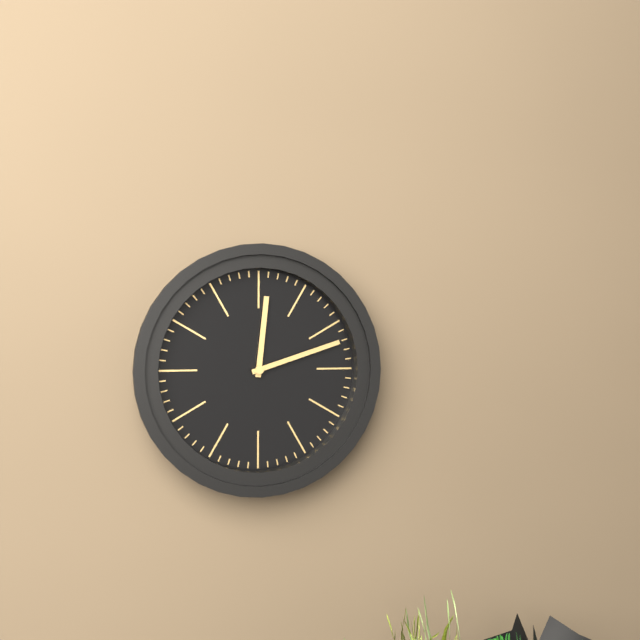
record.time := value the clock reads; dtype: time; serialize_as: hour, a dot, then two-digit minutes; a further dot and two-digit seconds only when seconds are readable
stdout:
12.12
